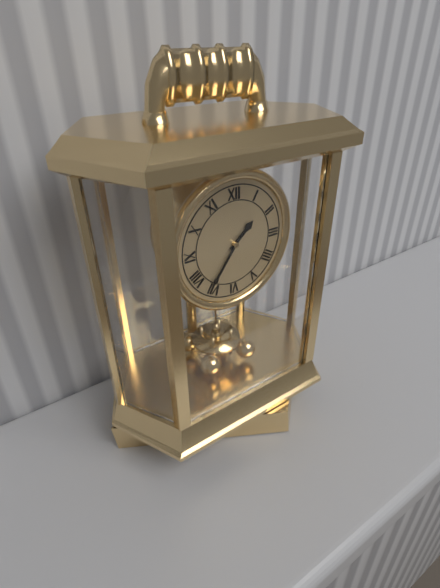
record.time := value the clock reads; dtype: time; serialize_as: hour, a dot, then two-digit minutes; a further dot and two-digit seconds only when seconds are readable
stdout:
1.36
